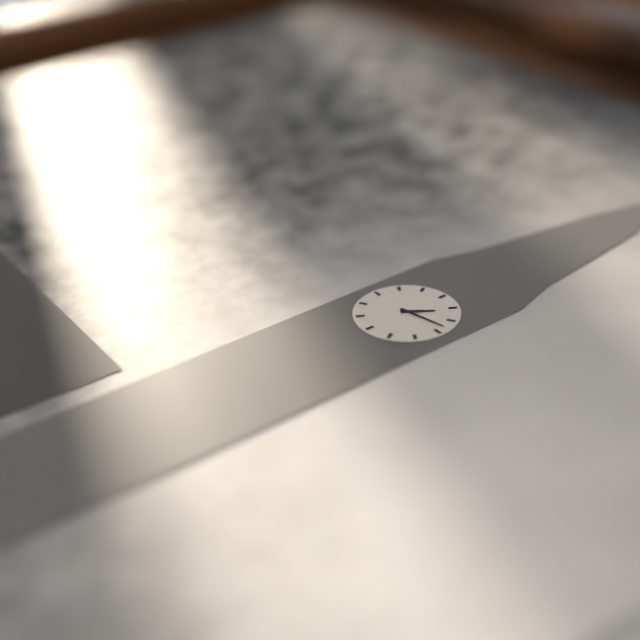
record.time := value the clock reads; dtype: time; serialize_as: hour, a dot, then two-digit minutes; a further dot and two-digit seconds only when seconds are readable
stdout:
1.13
